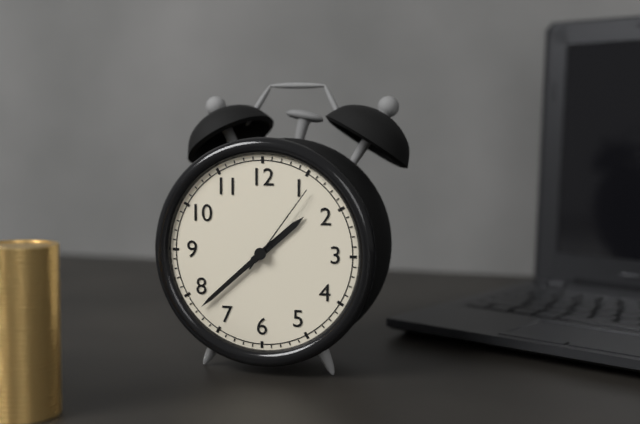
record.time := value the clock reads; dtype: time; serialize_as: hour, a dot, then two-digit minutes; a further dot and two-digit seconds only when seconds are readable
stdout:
1.38.06
